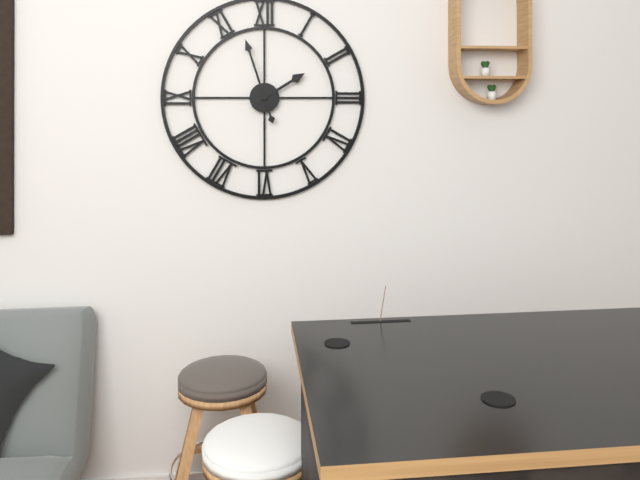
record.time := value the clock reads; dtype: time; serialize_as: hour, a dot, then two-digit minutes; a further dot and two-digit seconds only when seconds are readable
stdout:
1.57
